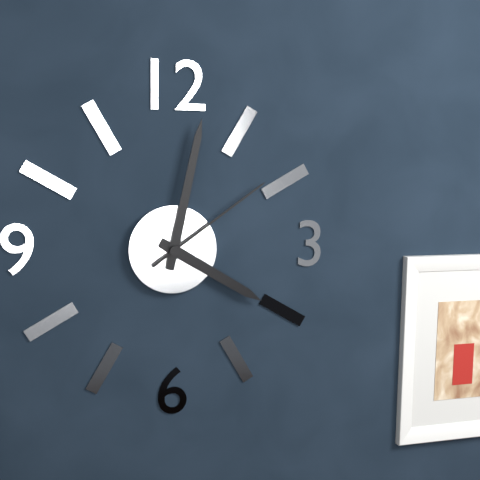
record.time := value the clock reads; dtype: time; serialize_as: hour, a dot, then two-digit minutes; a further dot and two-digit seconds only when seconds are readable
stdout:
4.02.09
